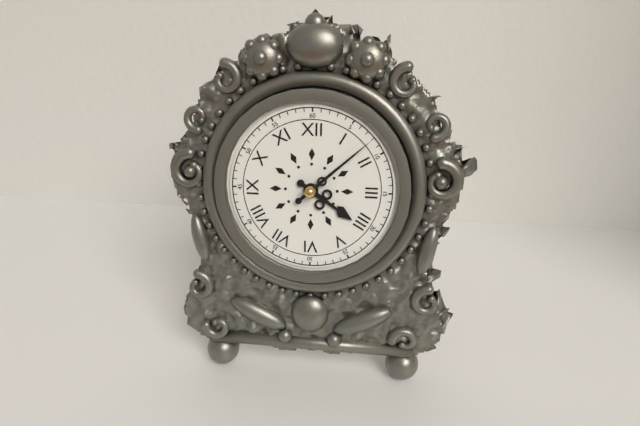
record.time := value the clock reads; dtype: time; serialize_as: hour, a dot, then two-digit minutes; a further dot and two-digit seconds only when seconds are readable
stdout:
4.08
